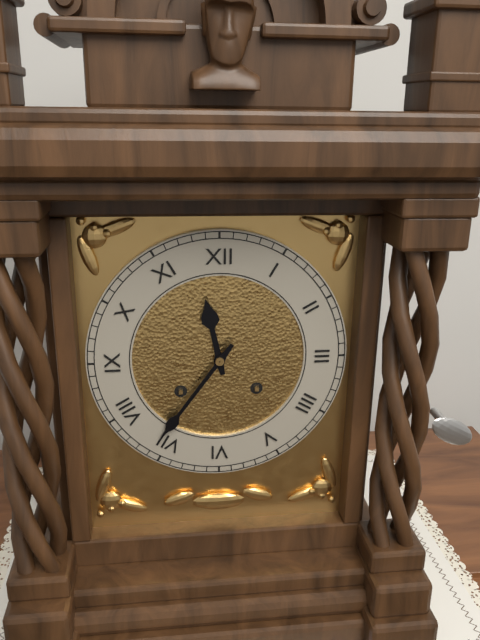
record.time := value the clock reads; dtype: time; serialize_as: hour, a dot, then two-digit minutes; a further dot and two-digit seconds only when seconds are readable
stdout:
11.36
